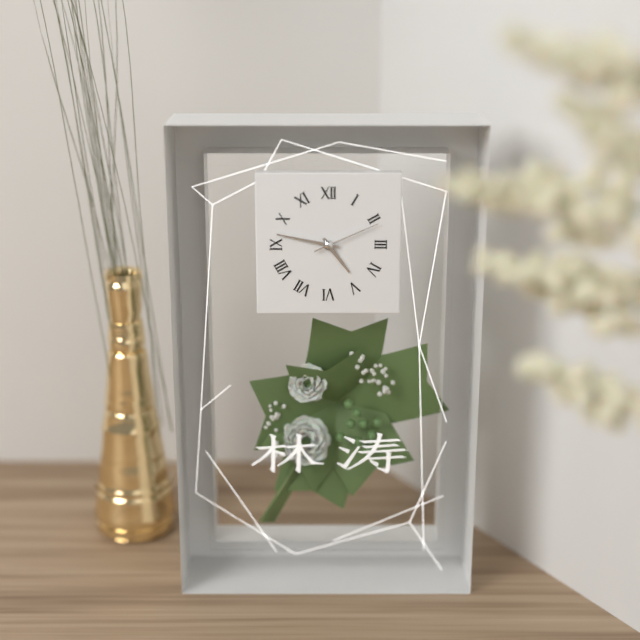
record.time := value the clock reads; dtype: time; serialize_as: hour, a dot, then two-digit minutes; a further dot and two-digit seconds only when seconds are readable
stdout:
4.47.11
